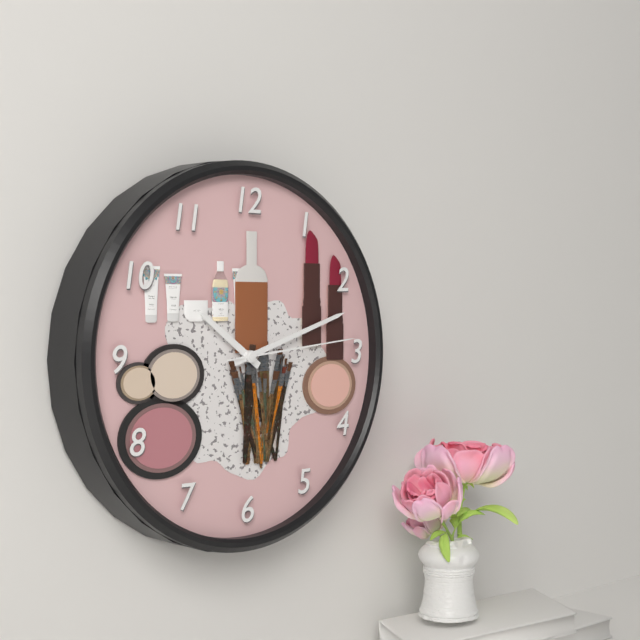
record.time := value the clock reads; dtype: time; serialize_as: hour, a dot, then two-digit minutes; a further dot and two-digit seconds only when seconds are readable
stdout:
10.12.14
